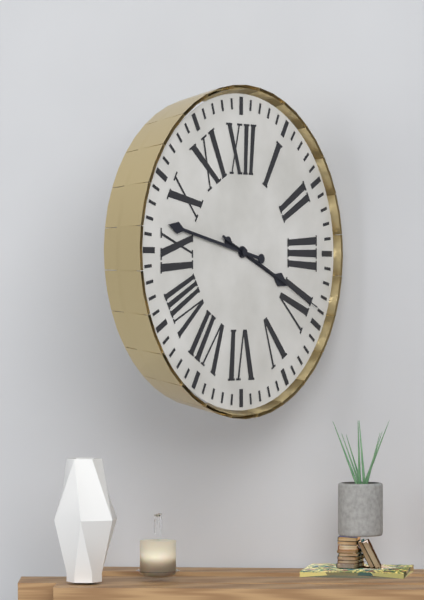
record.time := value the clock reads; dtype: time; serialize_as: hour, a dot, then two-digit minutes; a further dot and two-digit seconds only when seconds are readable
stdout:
3.47.19
